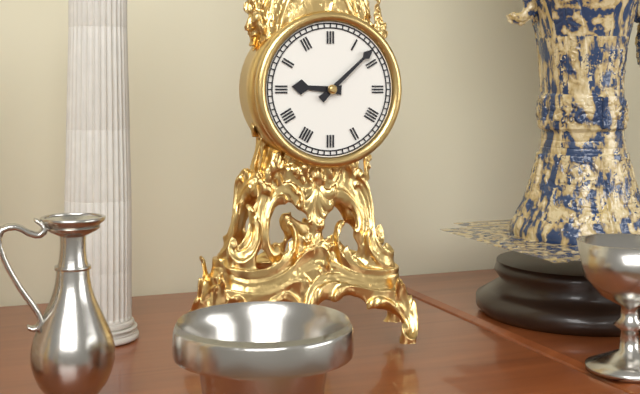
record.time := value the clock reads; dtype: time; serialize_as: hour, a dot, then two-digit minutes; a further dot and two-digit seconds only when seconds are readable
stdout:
9.08
